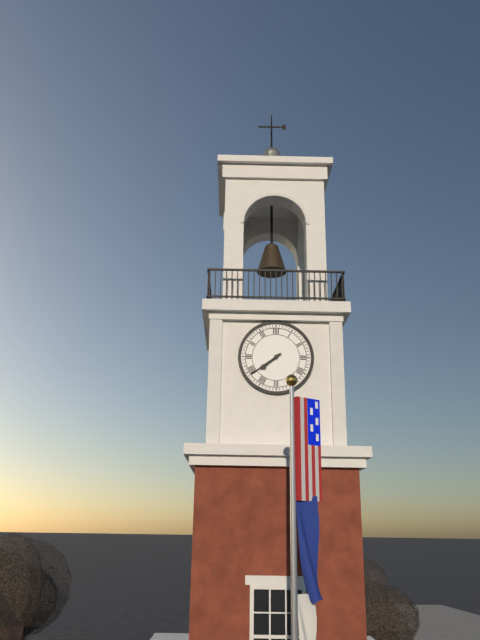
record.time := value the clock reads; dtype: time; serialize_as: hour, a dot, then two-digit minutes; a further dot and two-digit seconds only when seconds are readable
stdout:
7.39
